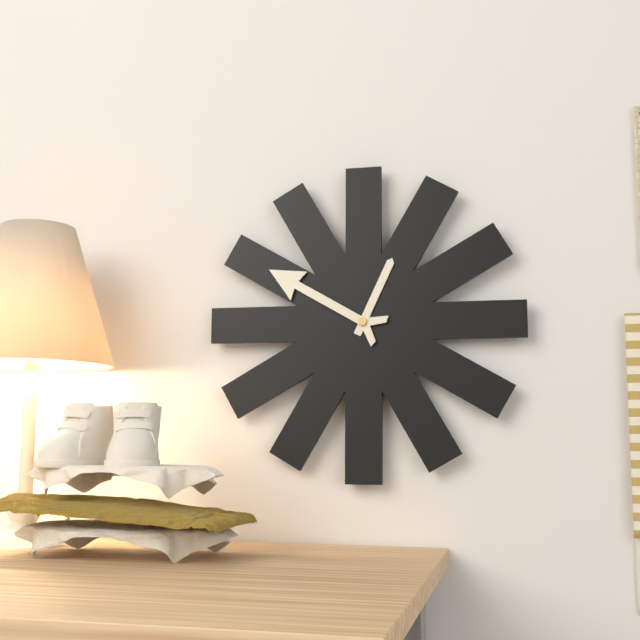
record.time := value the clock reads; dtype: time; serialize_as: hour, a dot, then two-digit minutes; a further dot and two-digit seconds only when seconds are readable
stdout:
12.50
